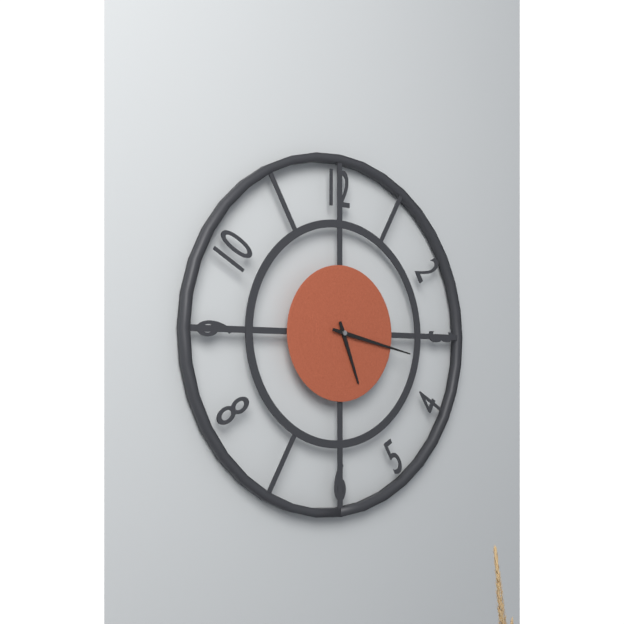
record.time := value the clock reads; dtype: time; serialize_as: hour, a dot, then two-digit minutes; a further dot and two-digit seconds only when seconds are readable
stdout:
5.17
